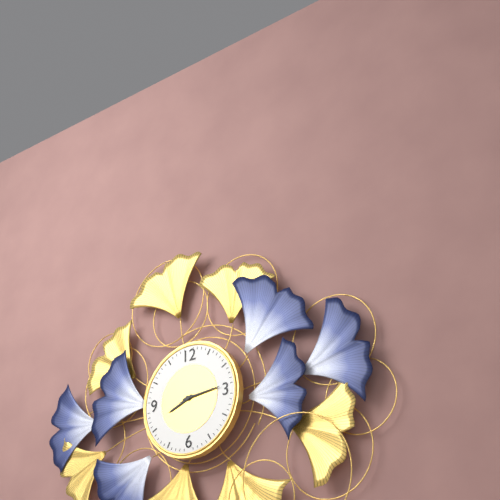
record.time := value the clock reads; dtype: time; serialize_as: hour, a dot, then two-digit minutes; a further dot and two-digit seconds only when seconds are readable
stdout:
8.14
